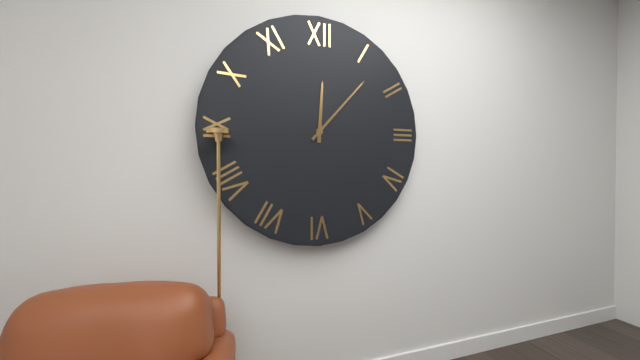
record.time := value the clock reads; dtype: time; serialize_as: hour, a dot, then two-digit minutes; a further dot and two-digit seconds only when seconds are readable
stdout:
12.07
